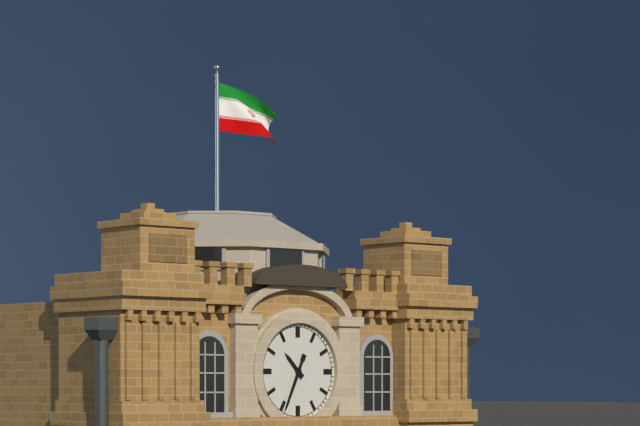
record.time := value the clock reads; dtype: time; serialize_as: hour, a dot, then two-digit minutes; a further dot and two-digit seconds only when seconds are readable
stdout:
10.34
